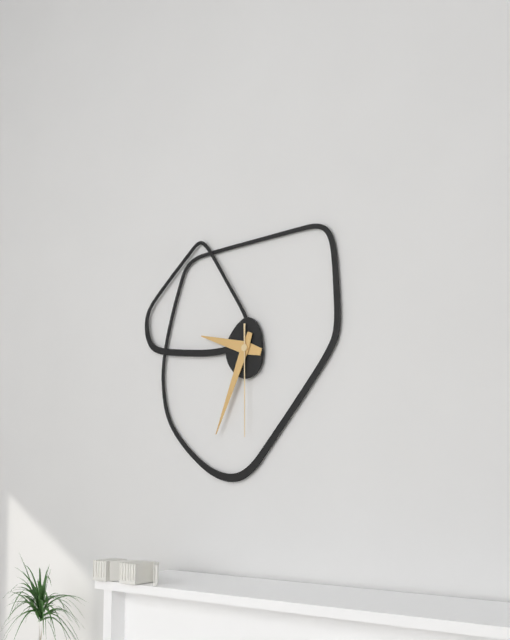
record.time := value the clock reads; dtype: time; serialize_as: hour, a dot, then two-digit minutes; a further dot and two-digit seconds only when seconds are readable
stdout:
9.34.30
